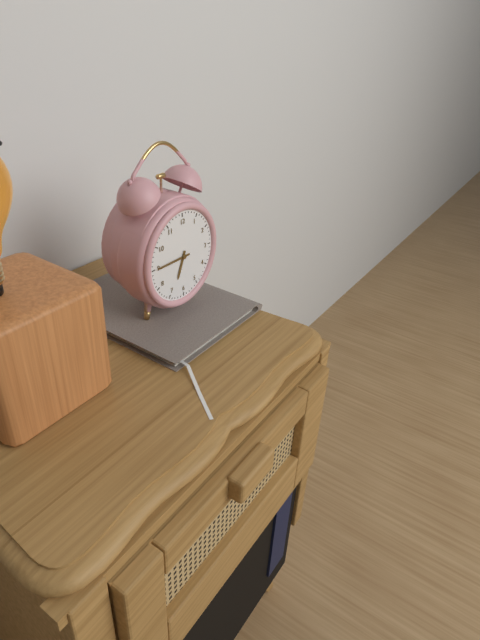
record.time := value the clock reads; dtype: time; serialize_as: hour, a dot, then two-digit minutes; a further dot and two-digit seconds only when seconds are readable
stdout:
6.45
